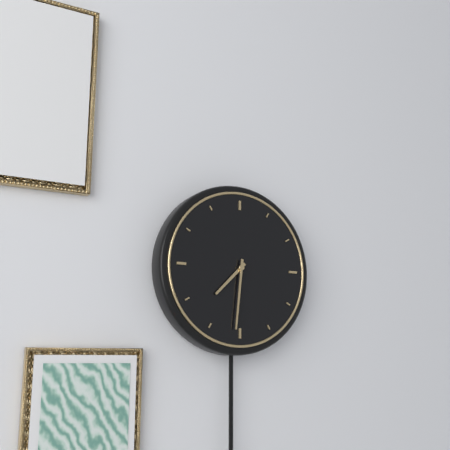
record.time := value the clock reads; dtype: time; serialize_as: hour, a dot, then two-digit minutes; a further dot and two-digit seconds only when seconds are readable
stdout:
7.31
